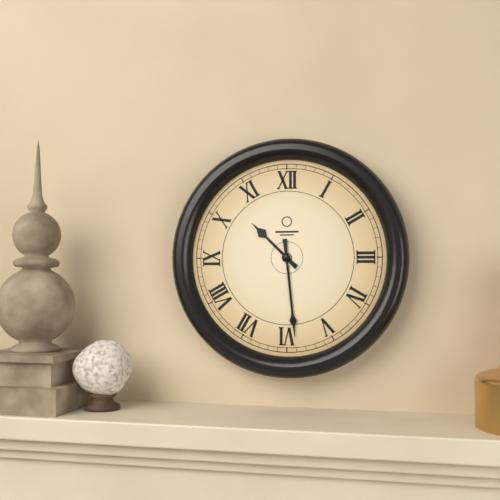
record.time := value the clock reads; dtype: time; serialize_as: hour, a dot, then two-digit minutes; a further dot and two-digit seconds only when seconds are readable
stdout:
10.29
